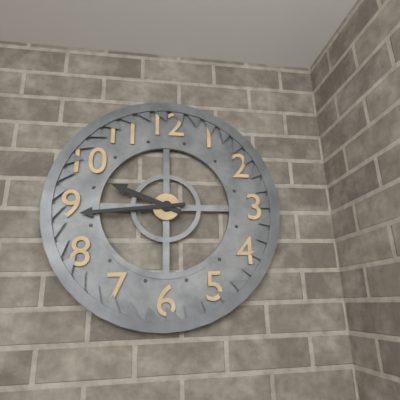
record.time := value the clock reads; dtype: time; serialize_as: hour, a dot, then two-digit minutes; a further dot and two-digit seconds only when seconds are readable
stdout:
9.44
